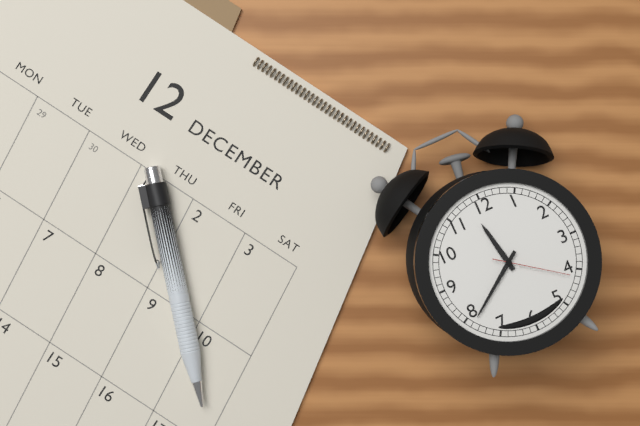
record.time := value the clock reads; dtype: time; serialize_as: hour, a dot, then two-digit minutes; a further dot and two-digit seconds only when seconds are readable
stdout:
11.39.21
